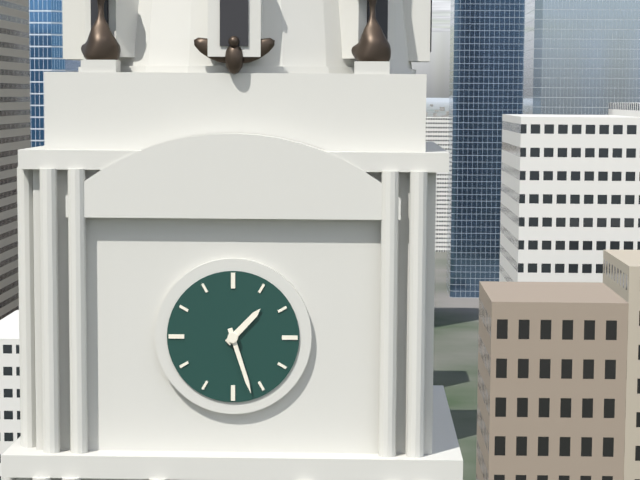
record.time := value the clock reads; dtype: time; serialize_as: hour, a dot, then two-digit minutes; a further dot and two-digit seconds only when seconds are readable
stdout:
1.27
